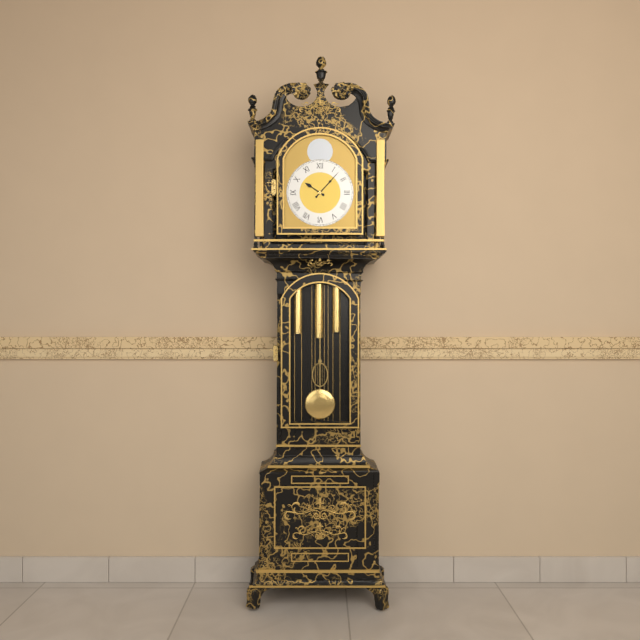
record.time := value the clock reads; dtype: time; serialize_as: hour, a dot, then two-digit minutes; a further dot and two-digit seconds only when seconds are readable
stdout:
10.07
